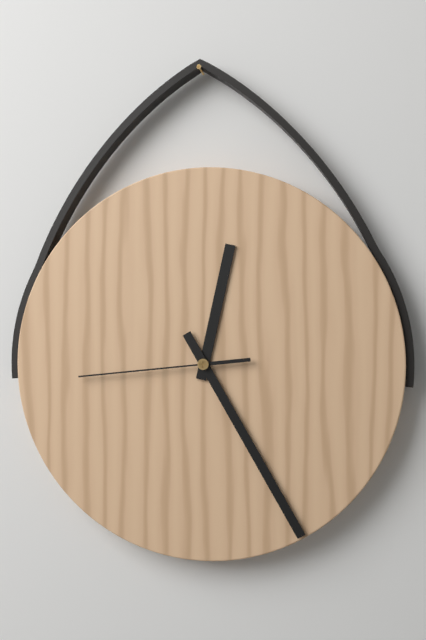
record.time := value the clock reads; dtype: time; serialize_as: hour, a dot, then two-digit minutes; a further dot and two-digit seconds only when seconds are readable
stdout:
12.25.44
